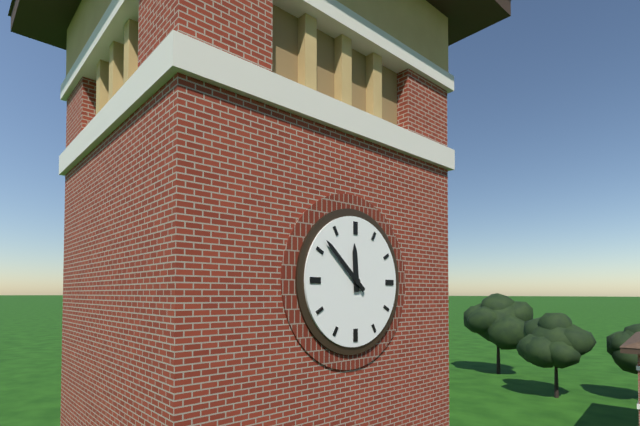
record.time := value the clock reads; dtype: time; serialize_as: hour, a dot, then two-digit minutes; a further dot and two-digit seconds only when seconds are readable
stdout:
11.52
